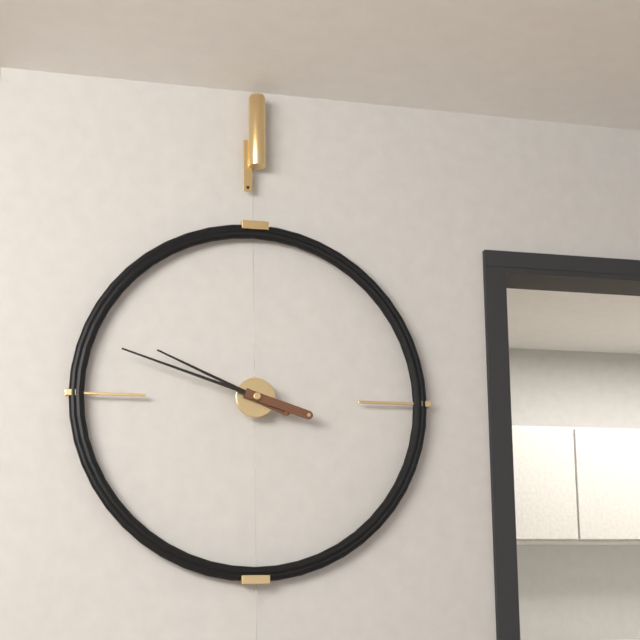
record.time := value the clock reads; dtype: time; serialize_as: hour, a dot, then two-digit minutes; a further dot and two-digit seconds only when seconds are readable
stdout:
9.48
